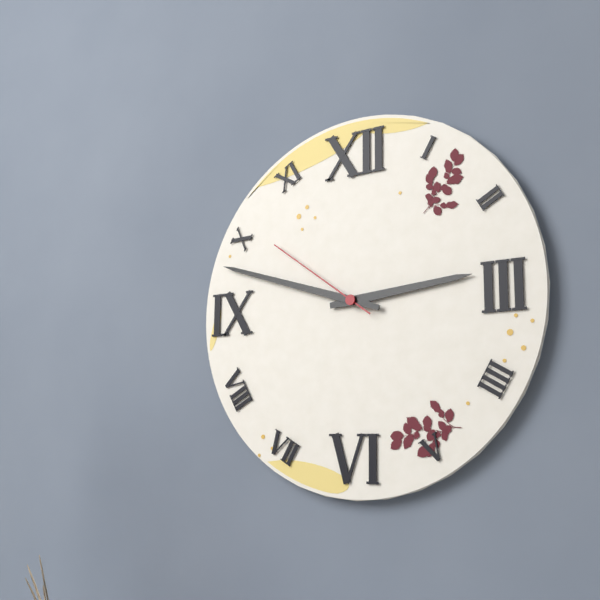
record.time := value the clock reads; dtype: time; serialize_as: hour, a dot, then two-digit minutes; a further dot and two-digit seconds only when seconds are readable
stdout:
2.48.51
